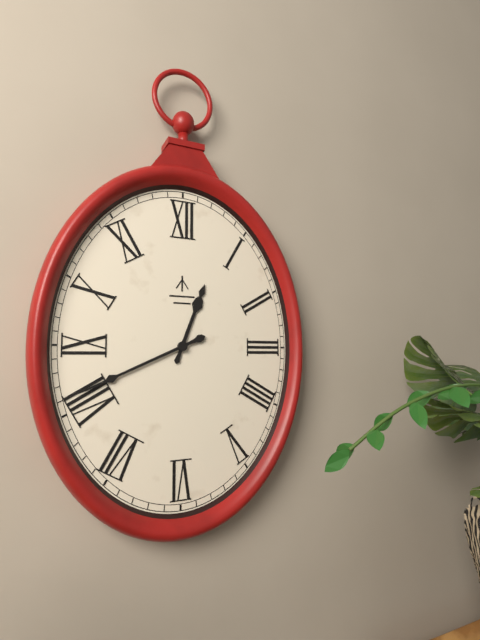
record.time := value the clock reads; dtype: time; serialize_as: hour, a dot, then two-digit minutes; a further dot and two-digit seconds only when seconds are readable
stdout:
12.41
